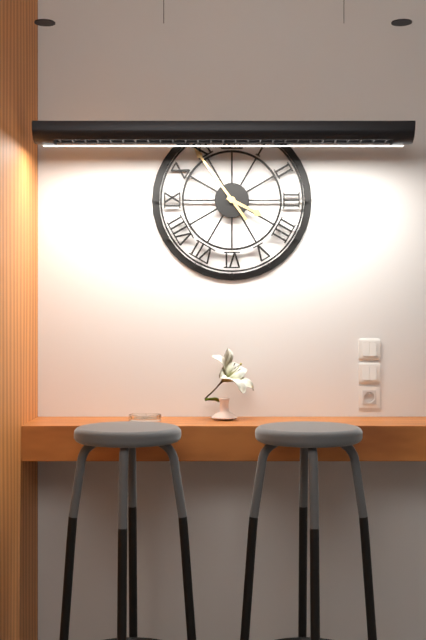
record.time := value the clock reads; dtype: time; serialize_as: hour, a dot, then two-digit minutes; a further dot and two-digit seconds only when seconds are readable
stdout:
3.54
